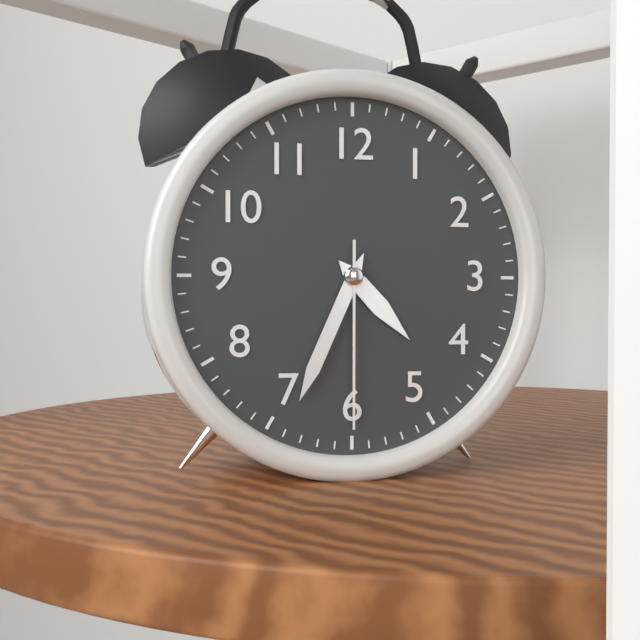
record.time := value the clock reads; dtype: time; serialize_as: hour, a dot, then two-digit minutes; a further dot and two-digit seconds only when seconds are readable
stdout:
4.34.30
